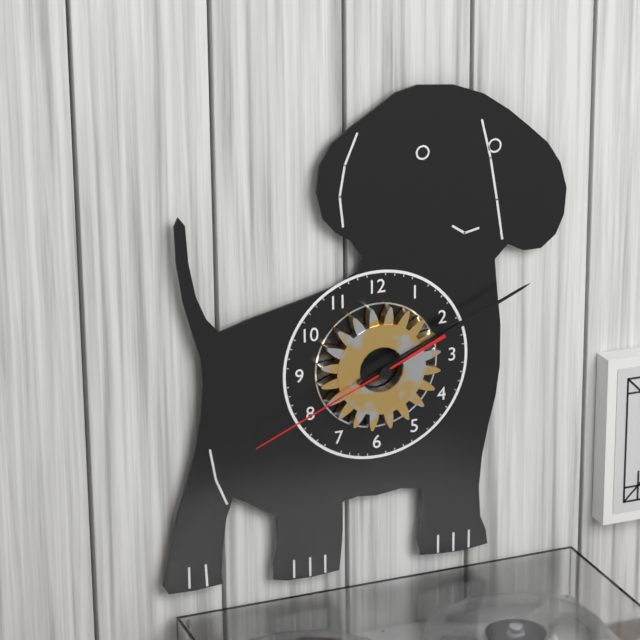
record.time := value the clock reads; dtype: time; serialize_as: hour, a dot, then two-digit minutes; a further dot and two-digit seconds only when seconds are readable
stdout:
2.11.41
